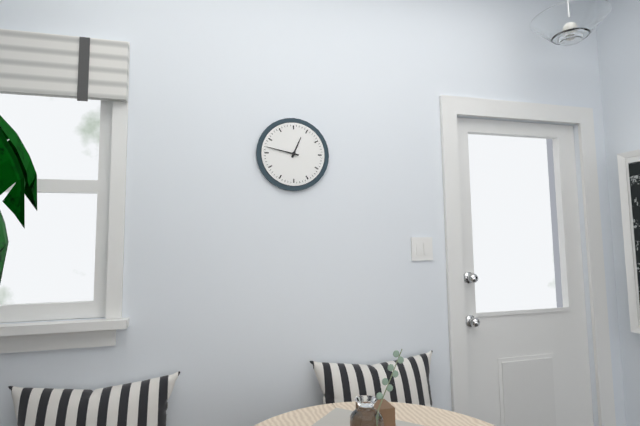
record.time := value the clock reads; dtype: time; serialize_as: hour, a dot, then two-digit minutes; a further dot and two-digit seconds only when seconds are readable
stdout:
12.47
